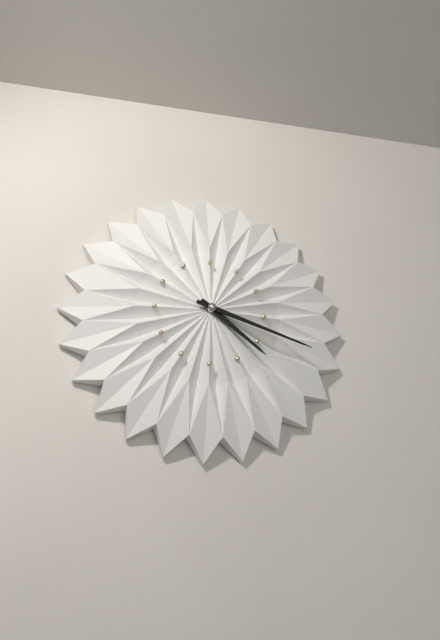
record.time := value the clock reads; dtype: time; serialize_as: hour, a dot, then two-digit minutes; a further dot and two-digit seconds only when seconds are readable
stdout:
4.18
